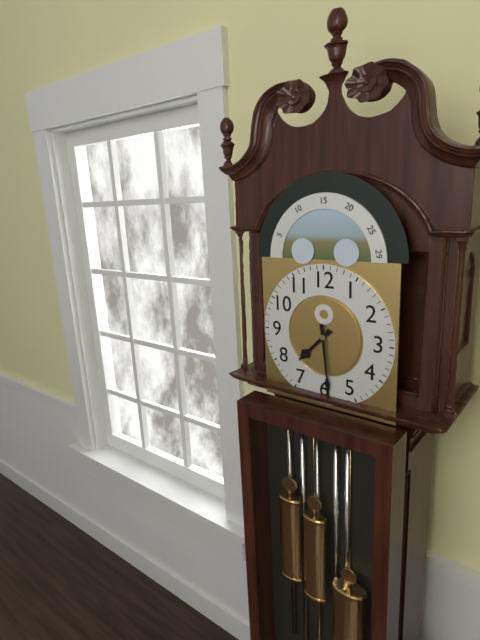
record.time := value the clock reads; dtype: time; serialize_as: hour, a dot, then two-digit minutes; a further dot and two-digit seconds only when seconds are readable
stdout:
7.29
